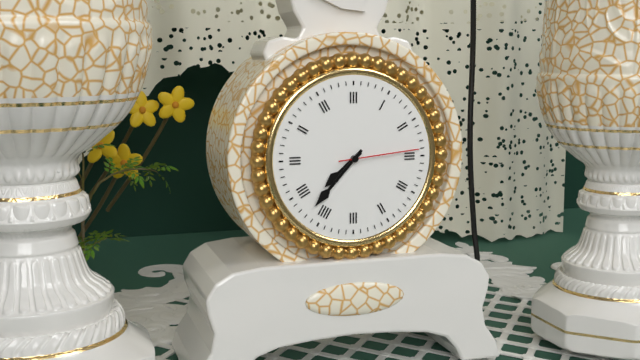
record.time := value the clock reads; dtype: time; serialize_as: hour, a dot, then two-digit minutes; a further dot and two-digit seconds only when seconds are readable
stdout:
7.37.14
